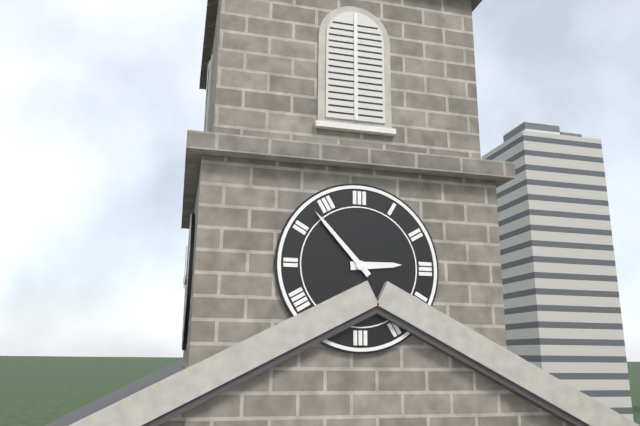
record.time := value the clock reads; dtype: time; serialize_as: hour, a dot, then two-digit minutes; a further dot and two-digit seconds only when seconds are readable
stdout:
2.53
